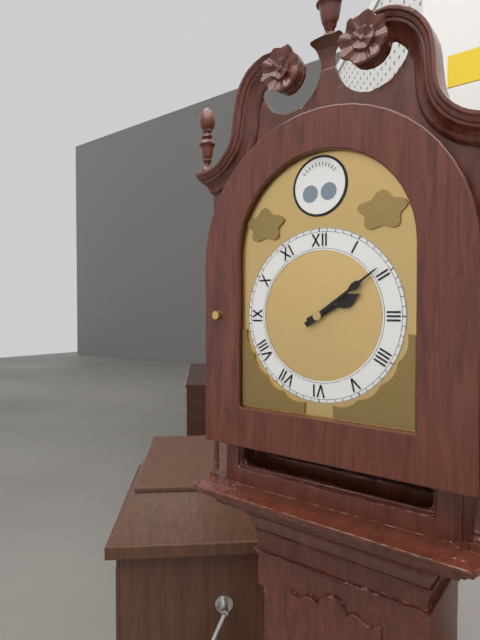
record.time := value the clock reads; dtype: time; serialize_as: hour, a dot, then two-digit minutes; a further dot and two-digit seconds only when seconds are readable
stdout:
2.09
